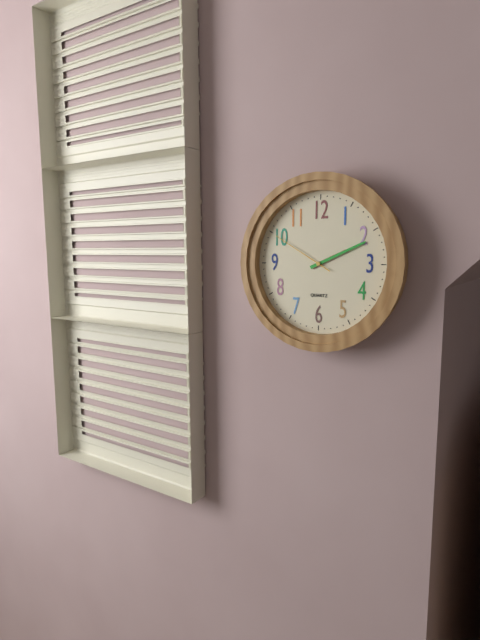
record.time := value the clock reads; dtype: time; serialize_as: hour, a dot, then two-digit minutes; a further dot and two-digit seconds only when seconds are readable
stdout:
2.11.50
